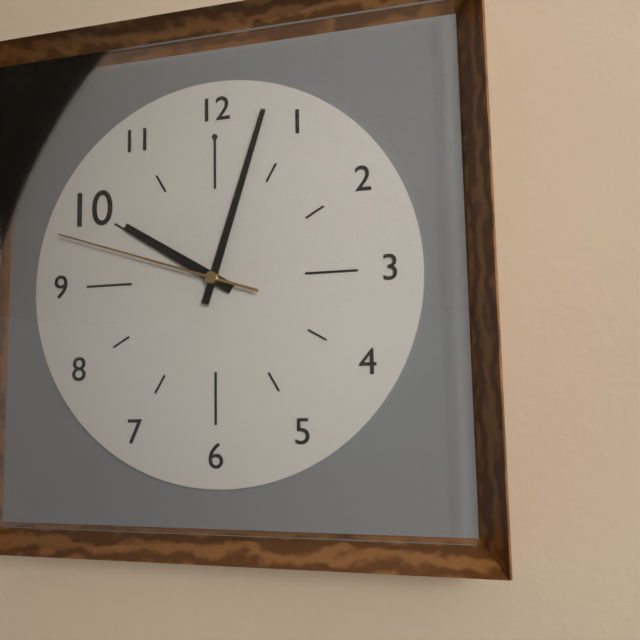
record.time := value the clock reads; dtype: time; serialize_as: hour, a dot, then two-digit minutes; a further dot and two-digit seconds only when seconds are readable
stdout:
10.03.48
